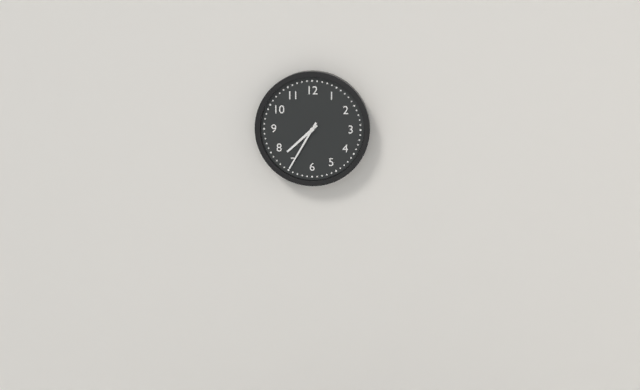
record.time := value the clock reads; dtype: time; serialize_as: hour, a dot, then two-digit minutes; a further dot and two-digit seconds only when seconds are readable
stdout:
7.35
